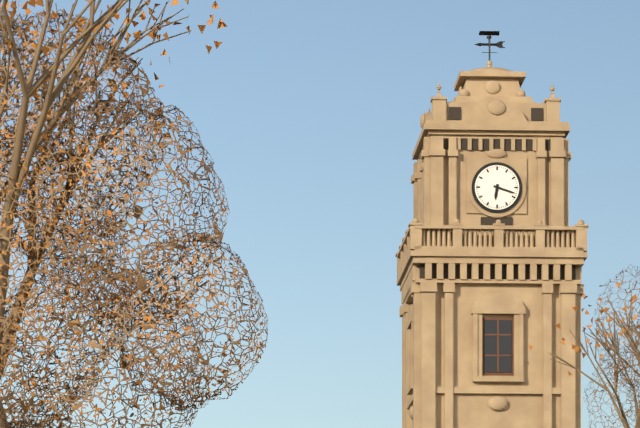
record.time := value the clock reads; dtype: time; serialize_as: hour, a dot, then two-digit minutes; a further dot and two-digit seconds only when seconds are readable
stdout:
6.18
